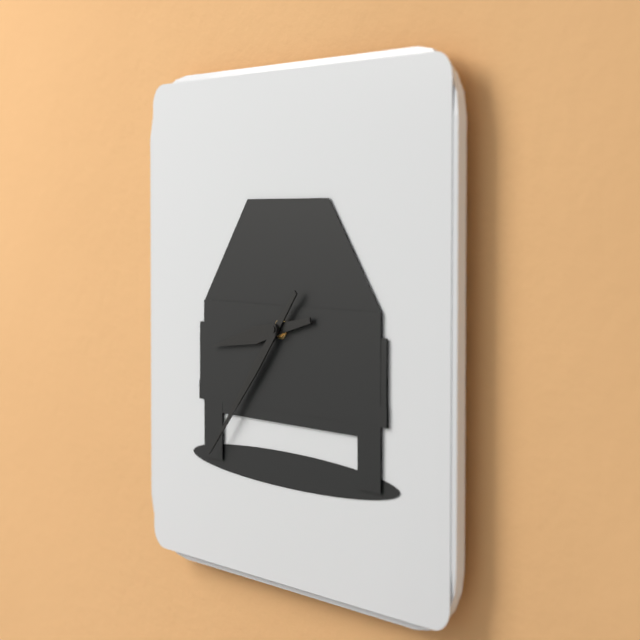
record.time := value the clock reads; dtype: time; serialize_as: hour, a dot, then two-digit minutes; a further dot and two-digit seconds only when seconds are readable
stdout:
8.37
